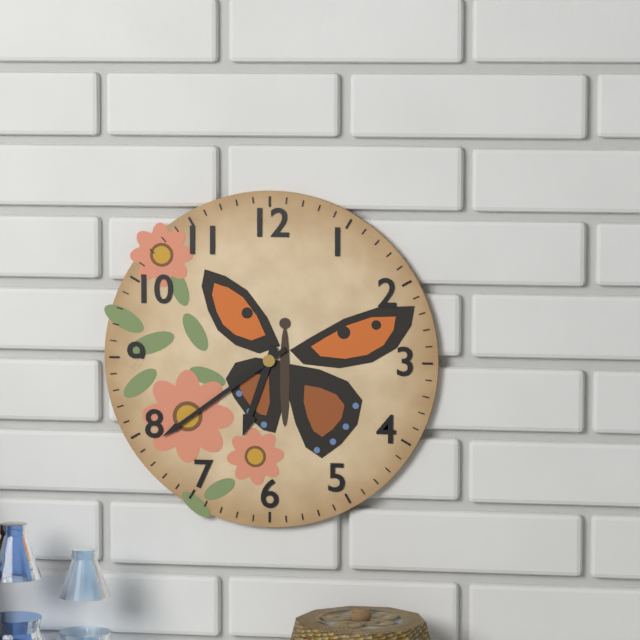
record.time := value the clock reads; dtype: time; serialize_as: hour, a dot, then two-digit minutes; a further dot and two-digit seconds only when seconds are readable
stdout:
6.39
